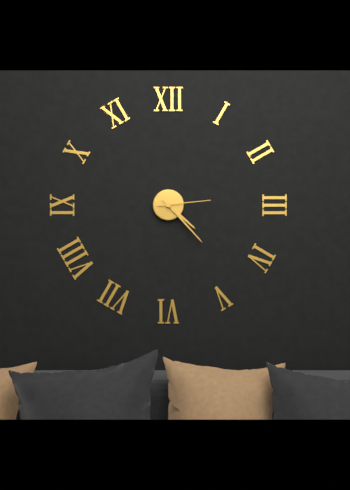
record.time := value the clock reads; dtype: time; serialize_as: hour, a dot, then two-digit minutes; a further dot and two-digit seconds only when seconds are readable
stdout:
4.23.14
